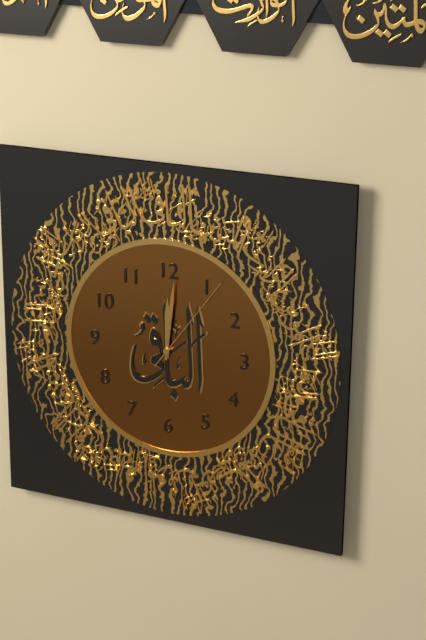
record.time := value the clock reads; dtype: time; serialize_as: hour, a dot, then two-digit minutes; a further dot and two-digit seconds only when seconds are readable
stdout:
12.01.06
